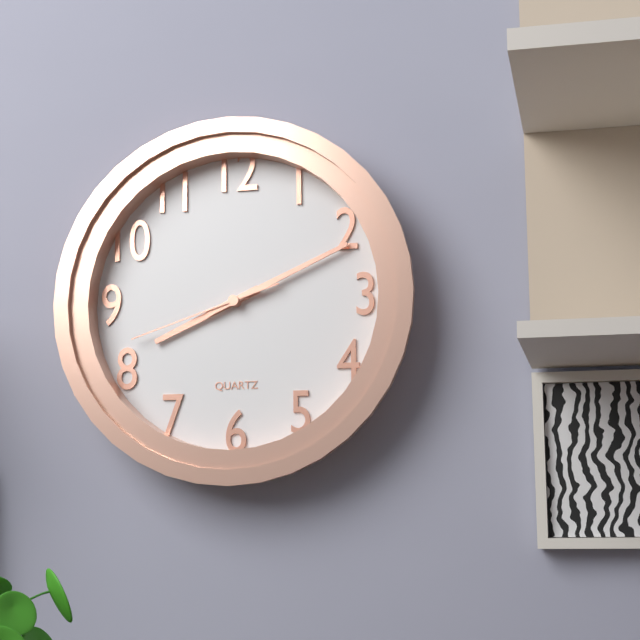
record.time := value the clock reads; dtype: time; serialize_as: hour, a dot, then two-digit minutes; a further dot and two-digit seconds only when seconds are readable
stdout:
8.11.42
